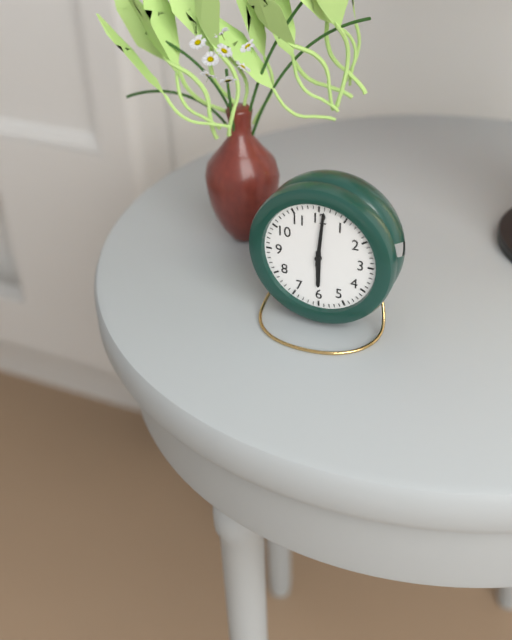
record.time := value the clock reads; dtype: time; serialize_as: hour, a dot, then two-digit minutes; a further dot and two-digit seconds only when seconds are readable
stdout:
6.01
